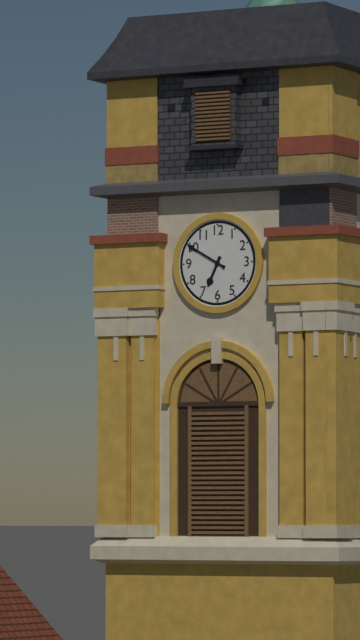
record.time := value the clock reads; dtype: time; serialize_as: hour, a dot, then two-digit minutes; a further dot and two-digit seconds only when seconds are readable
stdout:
6.50
